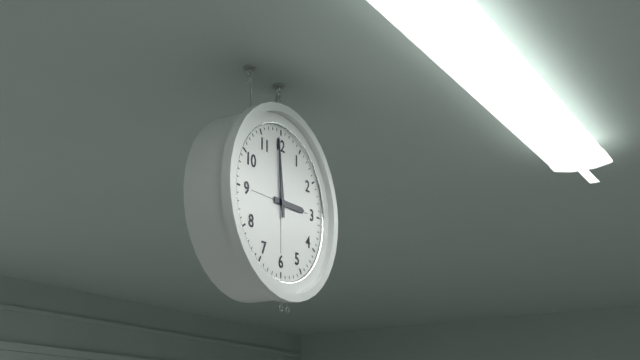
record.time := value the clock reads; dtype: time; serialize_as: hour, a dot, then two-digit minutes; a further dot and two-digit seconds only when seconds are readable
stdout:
2.59
